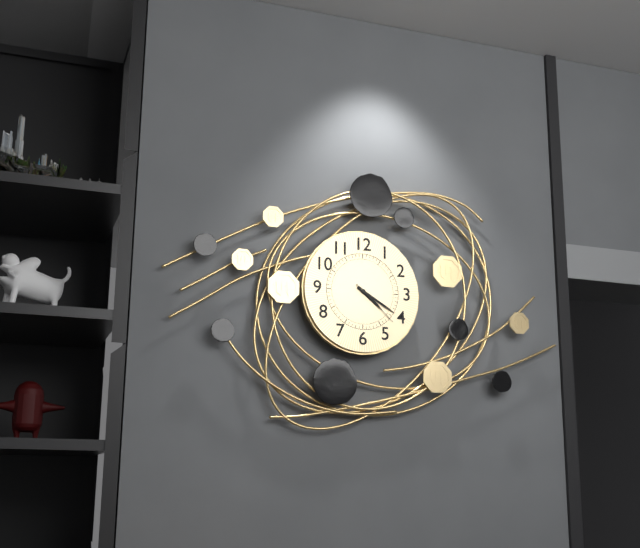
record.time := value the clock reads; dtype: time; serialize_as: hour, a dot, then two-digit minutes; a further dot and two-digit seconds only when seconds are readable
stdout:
4.20.22
